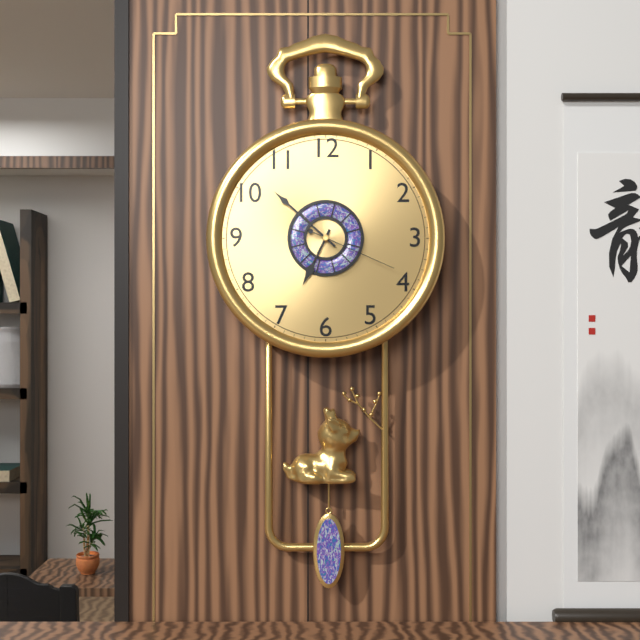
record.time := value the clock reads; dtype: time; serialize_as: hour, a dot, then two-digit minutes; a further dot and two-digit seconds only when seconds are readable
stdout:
6.52.19
